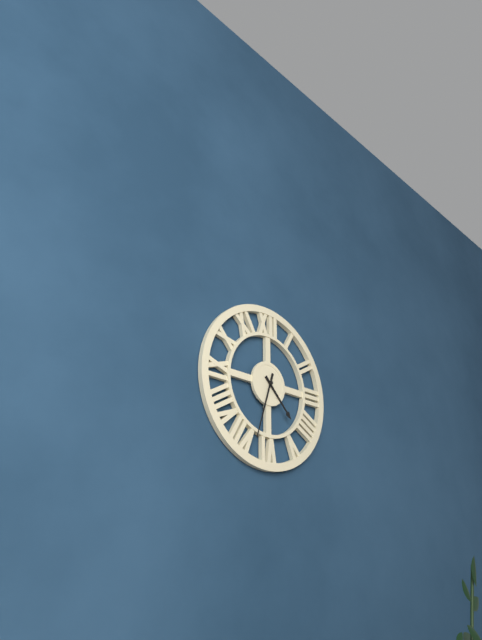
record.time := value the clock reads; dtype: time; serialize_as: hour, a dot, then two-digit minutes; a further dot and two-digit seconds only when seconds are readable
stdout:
4.33
